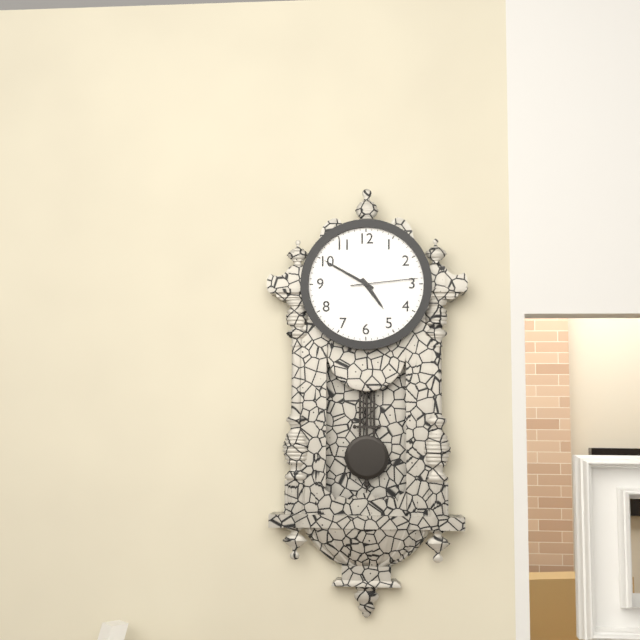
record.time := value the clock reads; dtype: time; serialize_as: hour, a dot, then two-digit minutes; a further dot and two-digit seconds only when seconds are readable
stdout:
4.50.14
